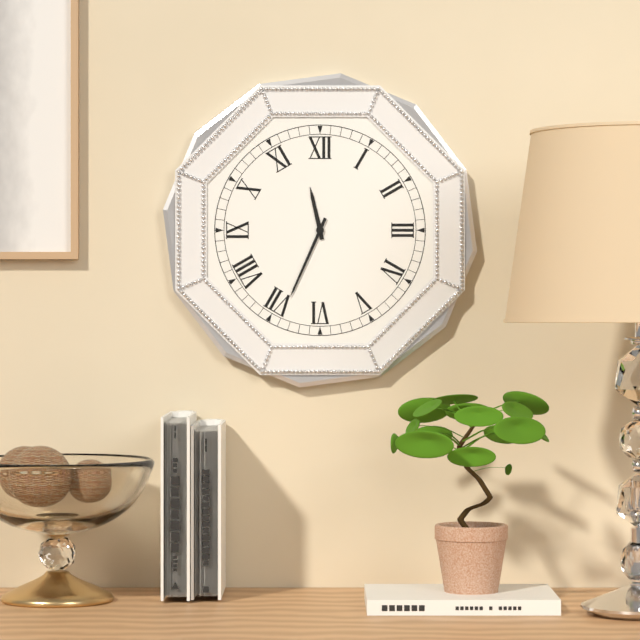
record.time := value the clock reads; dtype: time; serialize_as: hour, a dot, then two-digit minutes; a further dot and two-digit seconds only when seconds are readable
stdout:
11.34
